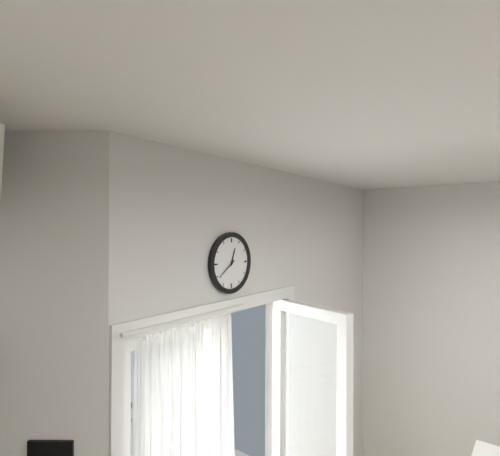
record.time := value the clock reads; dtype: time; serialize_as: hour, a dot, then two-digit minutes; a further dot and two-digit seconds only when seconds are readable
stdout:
12.39
